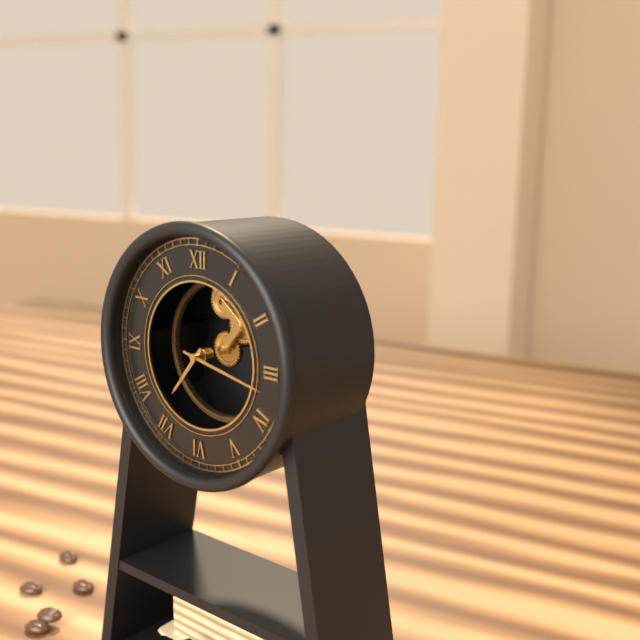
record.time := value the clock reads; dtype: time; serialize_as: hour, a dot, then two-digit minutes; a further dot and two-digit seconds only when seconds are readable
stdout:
7.17
